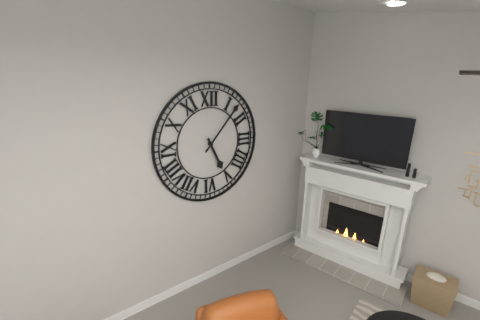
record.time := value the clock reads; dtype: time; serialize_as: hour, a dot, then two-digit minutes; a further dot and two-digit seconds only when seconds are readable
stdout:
5.07
